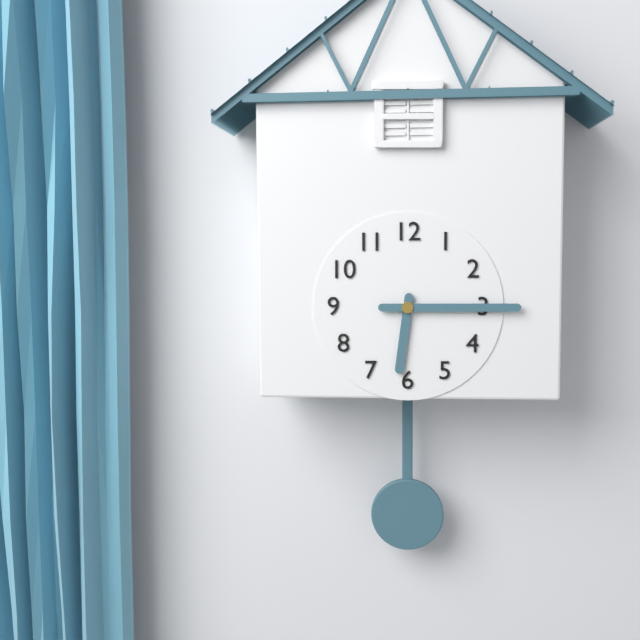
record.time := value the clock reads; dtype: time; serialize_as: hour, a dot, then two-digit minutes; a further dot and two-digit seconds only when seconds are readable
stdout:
6.15
